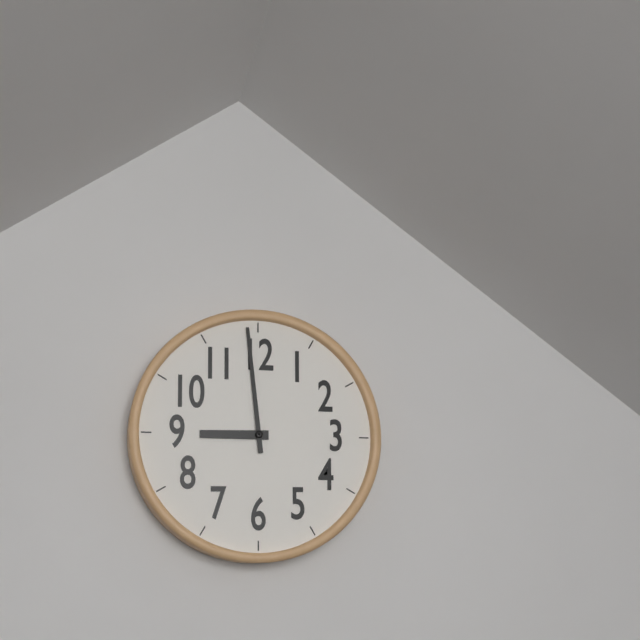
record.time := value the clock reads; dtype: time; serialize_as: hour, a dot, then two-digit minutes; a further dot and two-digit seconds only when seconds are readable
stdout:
8.59
